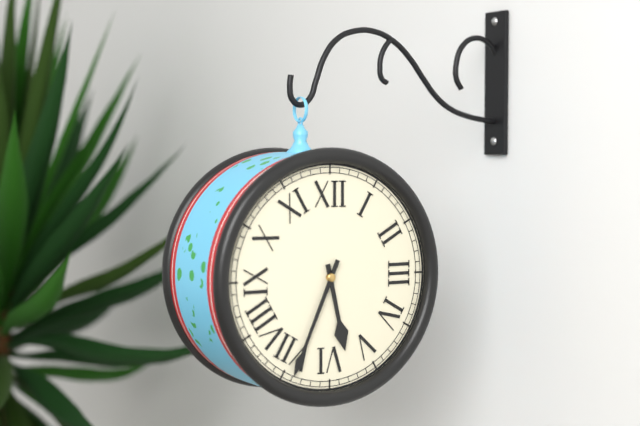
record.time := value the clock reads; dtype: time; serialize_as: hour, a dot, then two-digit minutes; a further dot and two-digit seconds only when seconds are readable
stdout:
5.34
